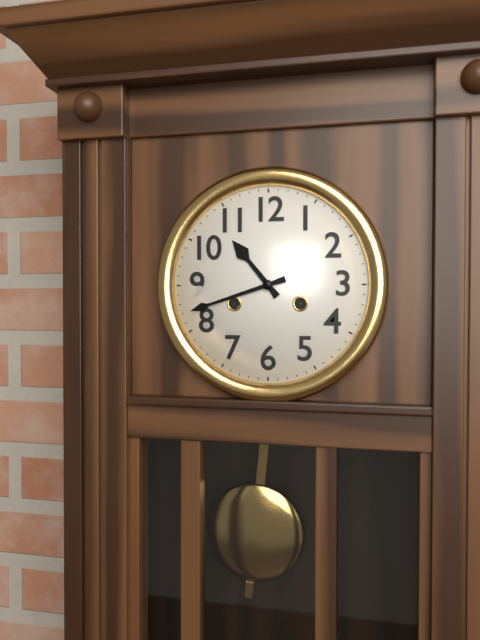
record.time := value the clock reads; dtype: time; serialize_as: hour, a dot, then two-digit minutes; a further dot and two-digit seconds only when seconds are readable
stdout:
10.42
